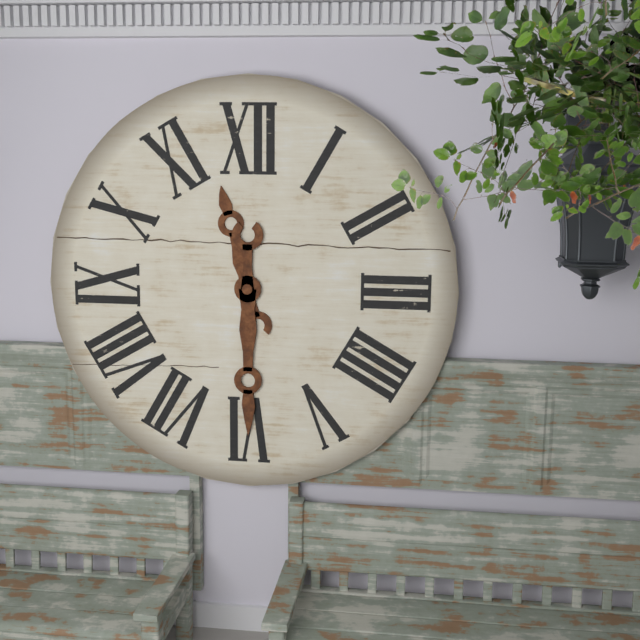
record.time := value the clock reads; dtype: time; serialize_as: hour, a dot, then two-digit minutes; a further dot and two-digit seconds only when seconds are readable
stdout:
11.30
